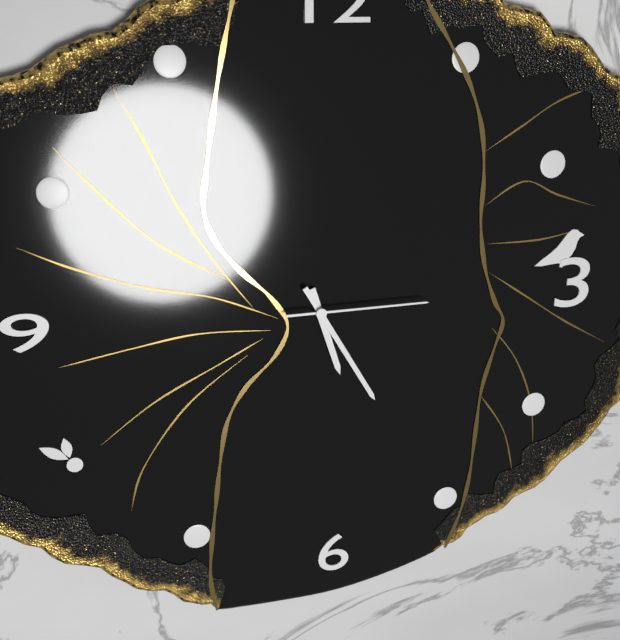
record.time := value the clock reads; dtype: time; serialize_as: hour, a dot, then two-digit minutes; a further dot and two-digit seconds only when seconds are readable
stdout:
5.25.15
